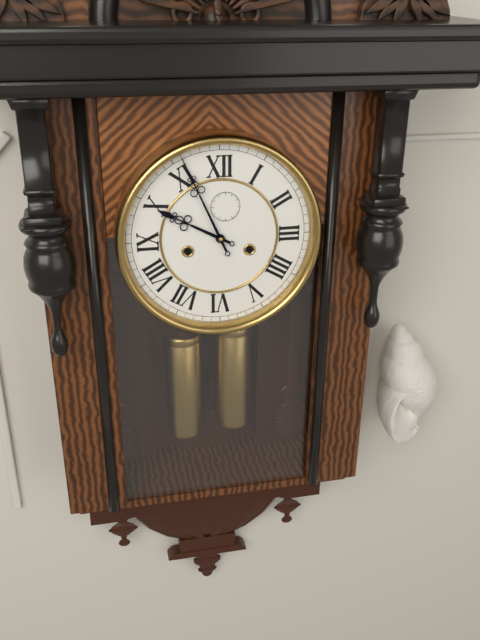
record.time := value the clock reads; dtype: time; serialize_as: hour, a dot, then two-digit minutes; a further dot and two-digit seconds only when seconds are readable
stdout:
9.56
